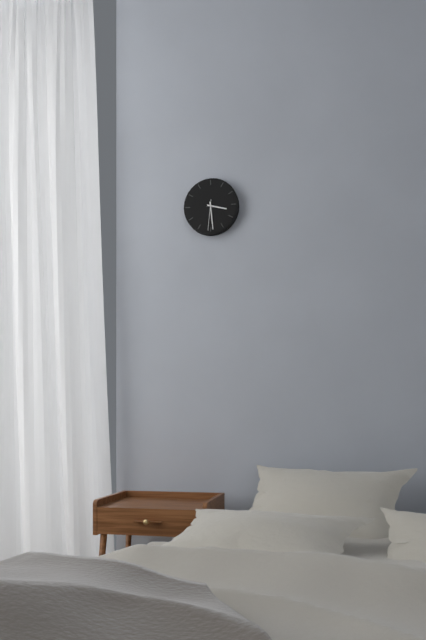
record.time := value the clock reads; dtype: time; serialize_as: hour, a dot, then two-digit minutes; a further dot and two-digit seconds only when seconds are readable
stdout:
3.29
